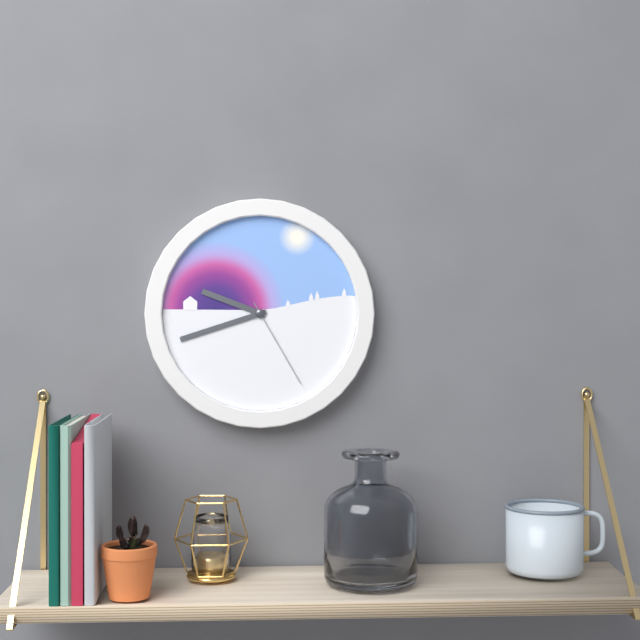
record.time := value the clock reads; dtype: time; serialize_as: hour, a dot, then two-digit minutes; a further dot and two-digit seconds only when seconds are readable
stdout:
9.42.25
